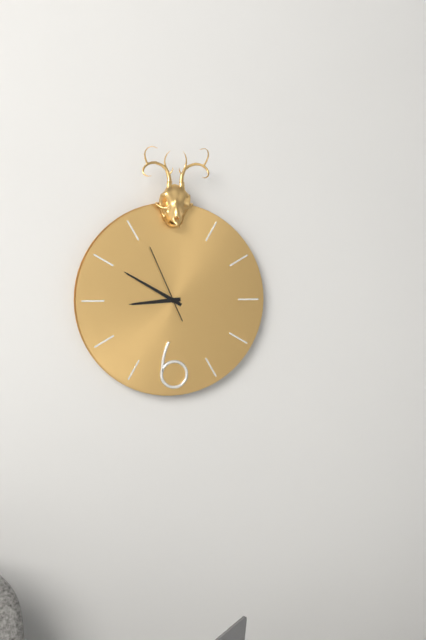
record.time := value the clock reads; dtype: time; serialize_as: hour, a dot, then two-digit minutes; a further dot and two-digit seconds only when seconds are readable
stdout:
8.50.56
